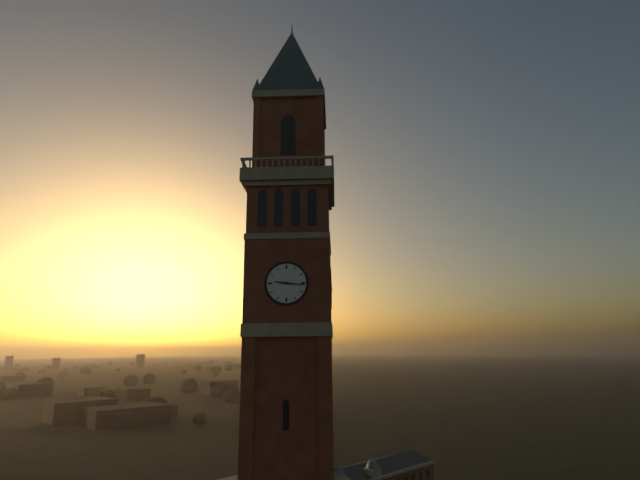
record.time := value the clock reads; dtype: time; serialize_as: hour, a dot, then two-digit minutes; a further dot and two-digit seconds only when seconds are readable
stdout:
9.16
